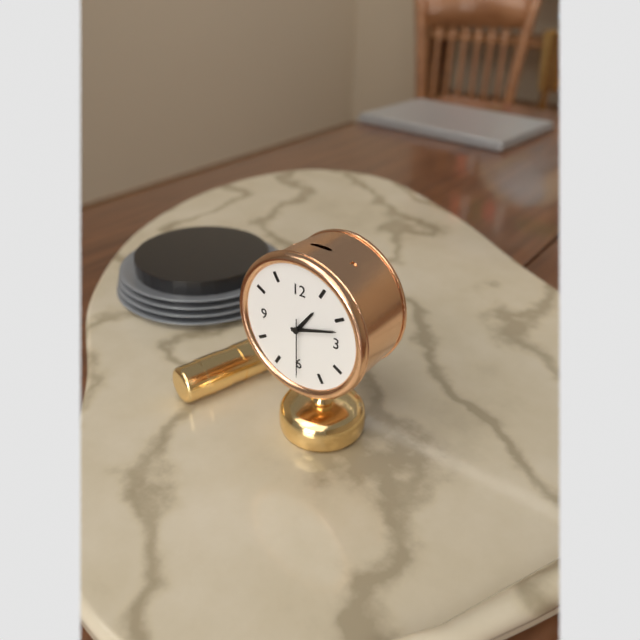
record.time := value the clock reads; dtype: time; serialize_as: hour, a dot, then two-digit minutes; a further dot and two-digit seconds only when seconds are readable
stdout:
1.12.30
